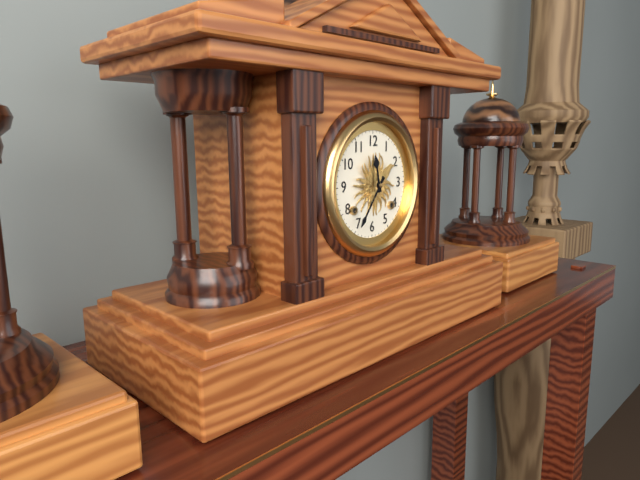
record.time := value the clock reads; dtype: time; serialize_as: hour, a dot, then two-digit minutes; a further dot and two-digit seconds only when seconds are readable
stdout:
11.36
